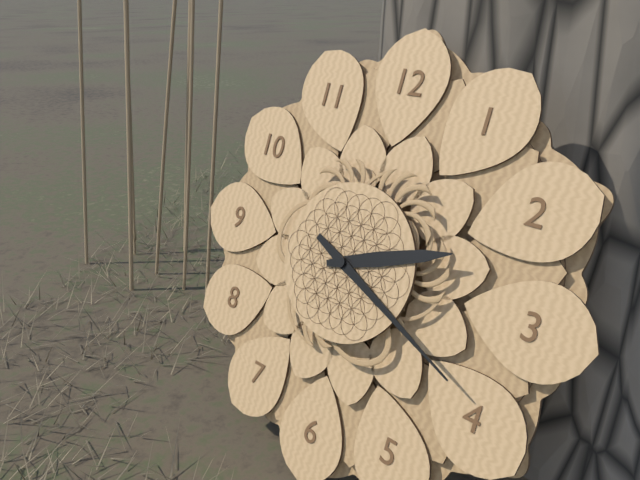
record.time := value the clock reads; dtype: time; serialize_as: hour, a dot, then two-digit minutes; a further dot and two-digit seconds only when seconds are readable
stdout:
2.19
